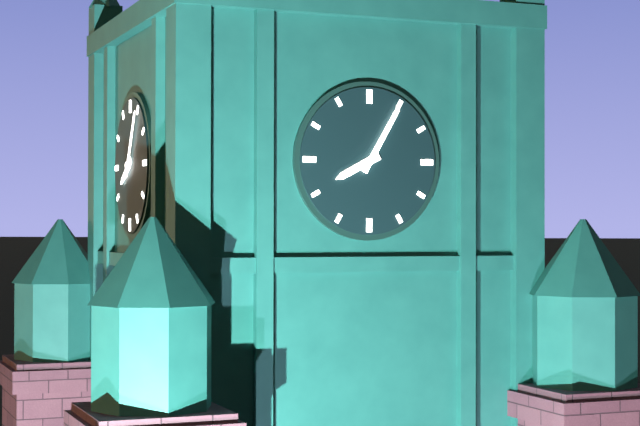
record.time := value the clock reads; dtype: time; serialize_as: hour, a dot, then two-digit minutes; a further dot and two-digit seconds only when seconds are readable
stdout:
8.05
